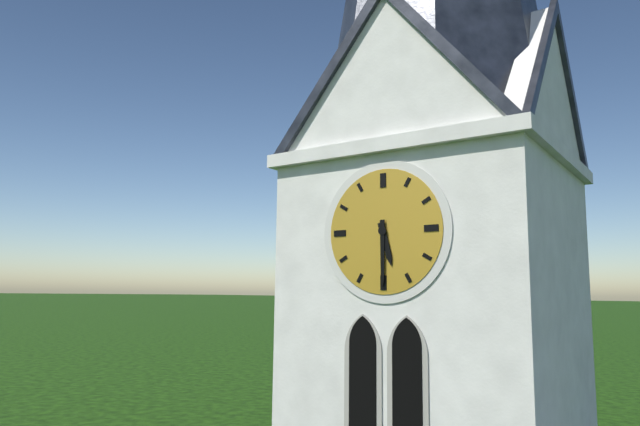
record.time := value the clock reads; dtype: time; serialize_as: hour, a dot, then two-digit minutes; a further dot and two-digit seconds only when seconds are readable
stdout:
5.30
